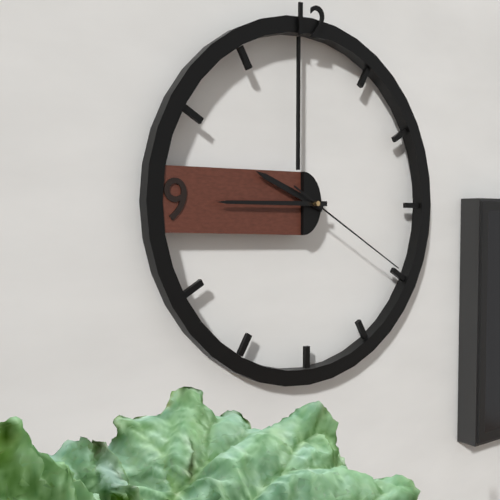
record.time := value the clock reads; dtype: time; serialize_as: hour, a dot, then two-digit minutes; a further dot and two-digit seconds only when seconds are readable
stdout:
9.45.20
